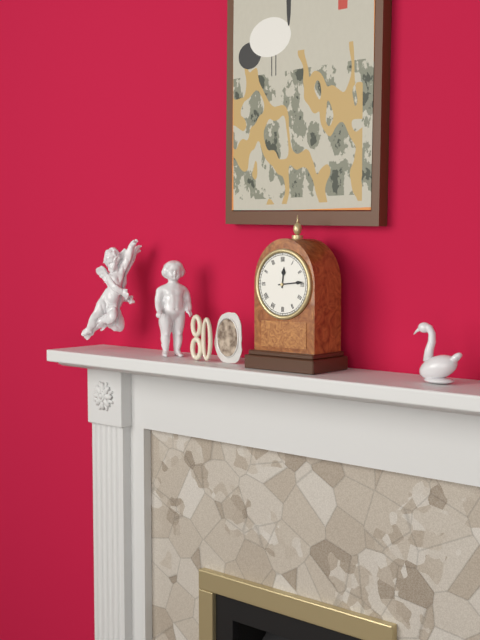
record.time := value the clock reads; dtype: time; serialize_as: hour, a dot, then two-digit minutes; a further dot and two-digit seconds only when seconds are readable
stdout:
12.14
